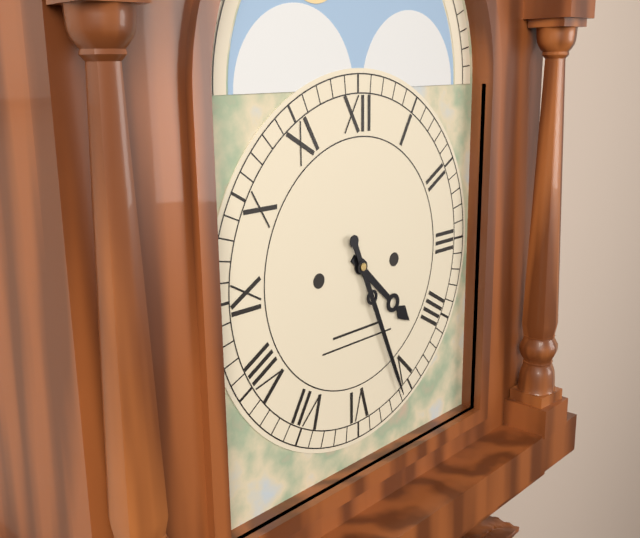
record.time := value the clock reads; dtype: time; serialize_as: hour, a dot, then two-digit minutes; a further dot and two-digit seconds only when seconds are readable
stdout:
4.26
